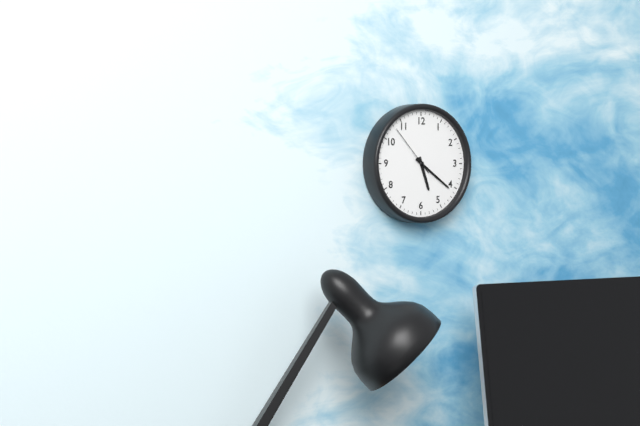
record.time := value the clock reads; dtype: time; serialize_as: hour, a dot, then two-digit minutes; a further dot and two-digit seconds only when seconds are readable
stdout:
5.21
